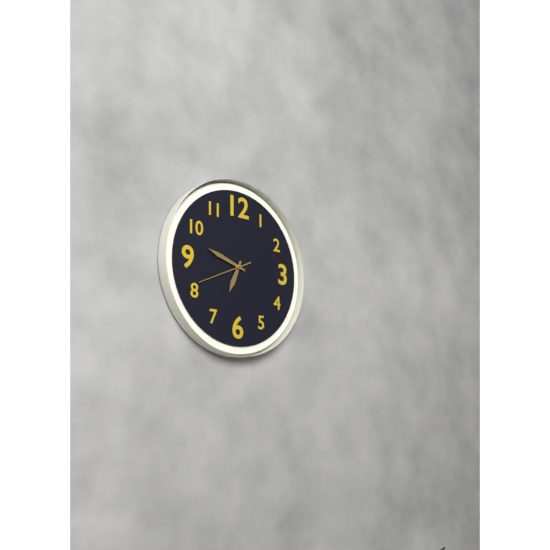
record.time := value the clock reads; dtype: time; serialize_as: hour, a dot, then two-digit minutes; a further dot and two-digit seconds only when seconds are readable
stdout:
6.48.41
